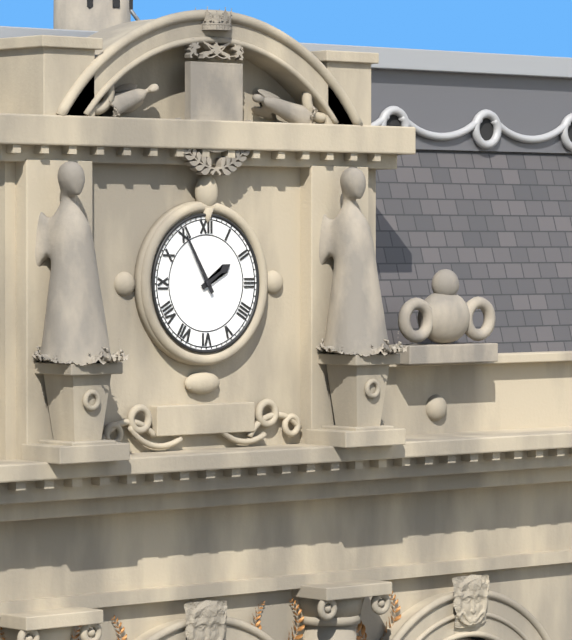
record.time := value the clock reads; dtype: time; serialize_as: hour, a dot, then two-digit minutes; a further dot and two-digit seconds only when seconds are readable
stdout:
1.55
